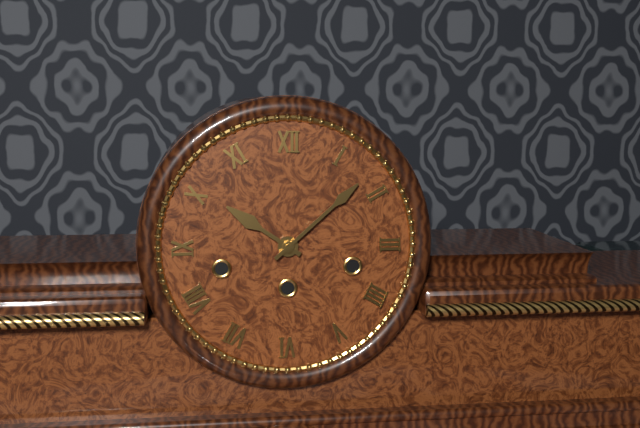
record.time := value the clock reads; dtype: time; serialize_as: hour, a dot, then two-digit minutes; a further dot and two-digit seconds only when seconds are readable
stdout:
10.08
